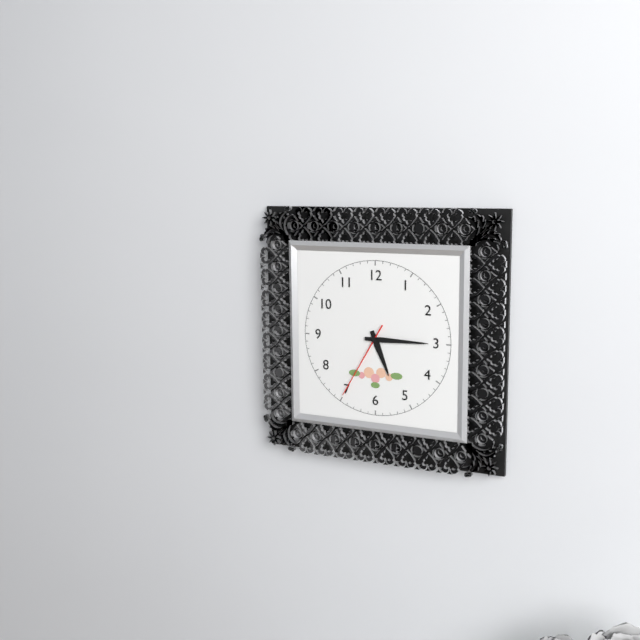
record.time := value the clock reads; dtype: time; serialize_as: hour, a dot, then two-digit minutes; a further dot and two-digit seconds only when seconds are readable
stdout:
5.15.35
